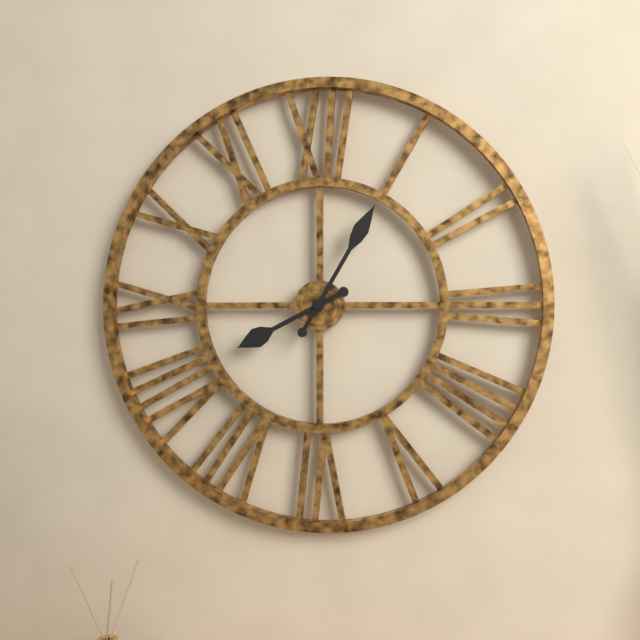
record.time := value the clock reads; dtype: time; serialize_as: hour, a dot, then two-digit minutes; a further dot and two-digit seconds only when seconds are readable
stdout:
8.05
